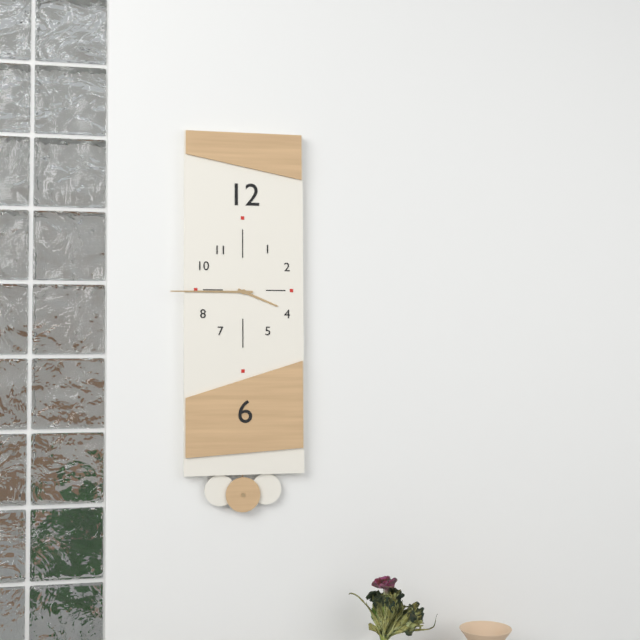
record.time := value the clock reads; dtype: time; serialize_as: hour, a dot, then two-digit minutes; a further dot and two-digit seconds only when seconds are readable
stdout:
3.45
